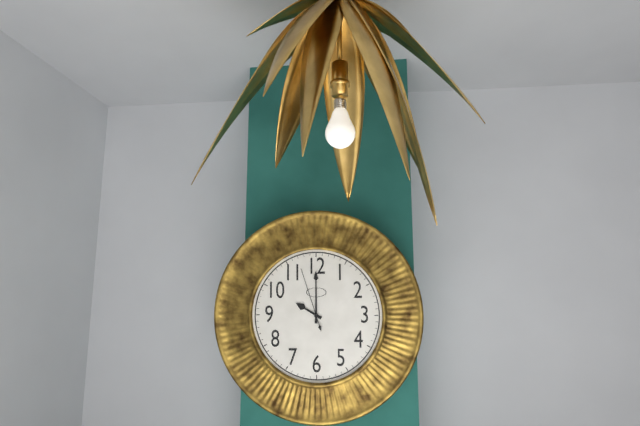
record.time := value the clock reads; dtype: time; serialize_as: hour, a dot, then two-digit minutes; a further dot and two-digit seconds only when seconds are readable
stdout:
10.00.57
